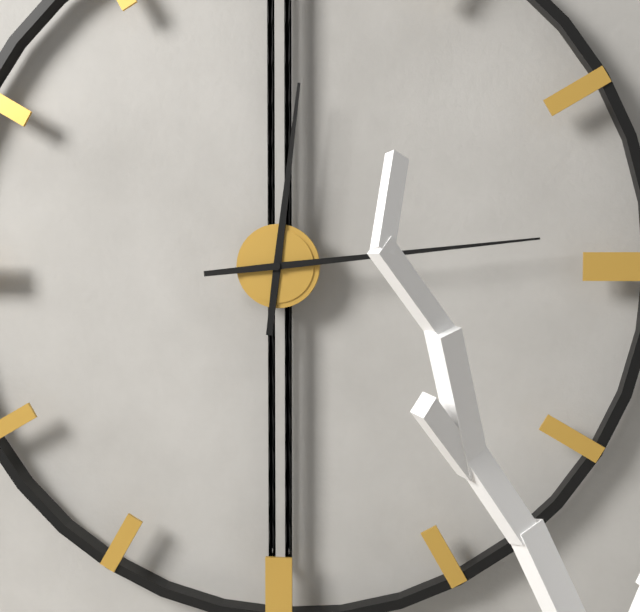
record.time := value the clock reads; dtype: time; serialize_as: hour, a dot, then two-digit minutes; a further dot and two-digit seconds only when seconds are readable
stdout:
12.14
